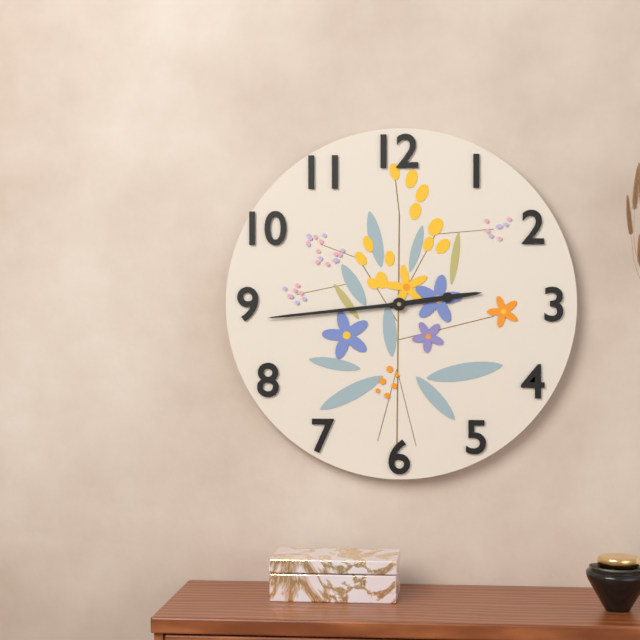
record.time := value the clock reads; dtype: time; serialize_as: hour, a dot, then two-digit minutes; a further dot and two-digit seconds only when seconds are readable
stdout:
2.44
